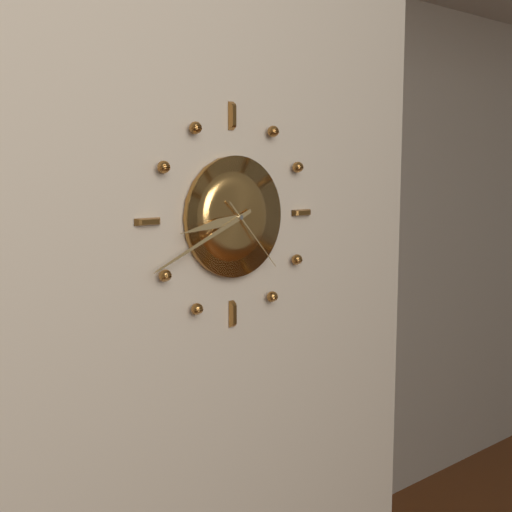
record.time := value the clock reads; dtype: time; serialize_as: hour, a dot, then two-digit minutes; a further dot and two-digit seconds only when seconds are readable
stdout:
8.41.23
